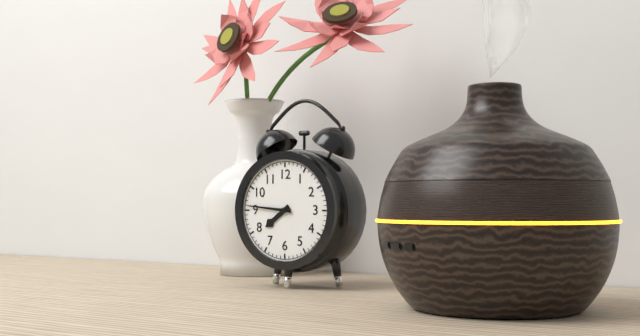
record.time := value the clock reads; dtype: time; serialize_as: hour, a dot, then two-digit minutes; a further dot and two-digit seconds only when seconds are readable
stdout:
7.46
